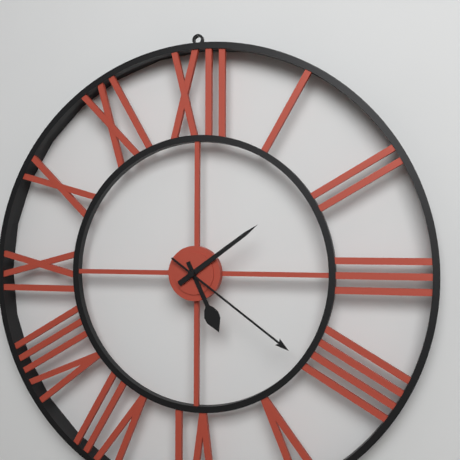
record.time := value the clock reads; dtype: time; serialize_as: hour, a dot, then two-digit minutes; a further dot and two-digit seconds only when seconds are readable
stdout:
5.09.21
